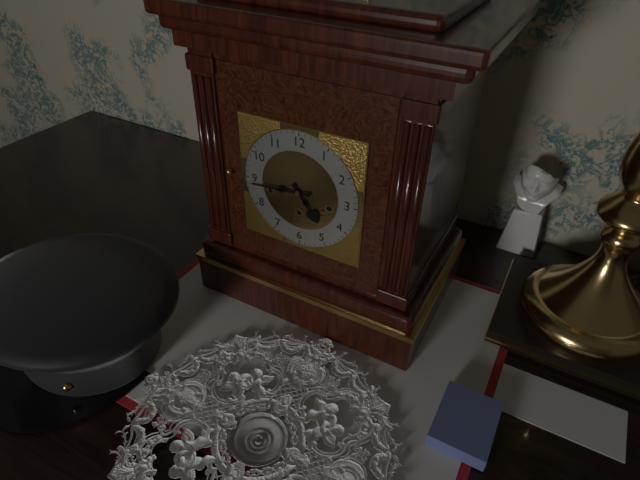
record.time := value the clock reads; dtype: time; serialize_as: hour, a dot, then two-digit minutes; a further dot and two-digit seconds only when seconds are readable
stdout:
4.44
